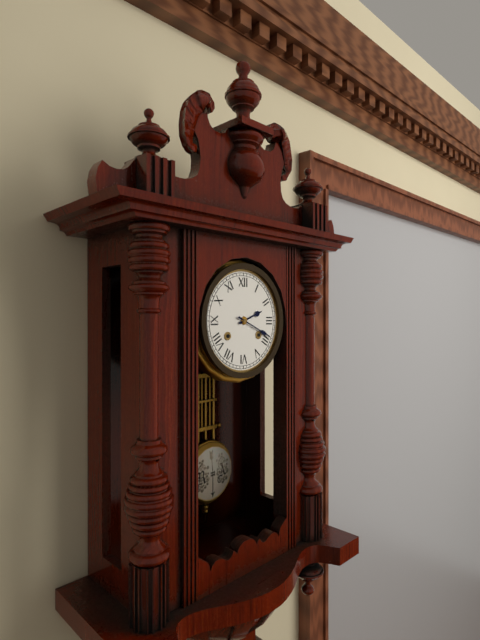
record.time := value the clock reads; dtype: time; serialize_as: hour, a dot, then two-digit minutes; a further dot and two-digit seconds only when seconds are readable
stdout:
2.19
